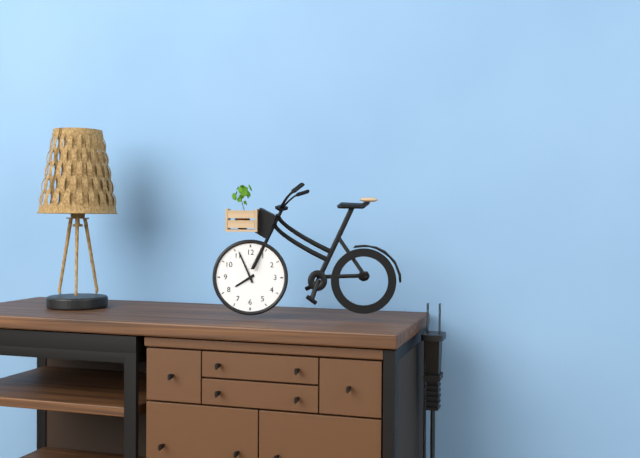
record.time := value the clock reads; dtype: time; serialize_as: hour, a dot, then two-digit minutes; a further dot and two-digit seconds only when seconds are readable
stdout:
7.56
